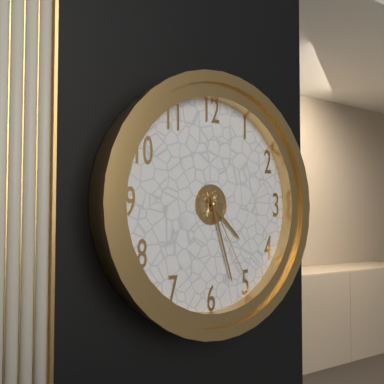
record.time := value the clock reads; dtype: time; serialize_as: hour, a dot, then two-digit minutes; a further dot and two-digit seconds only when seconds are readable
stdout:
4.27.25
